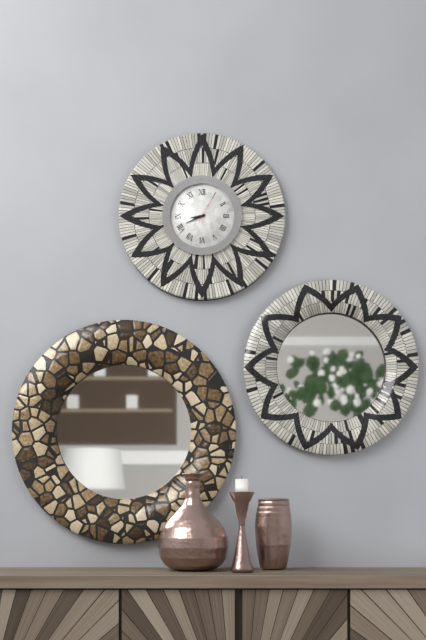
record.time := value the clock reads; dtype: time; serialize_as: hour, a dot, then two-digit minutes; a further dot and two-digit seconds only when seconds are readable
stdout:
8.41
